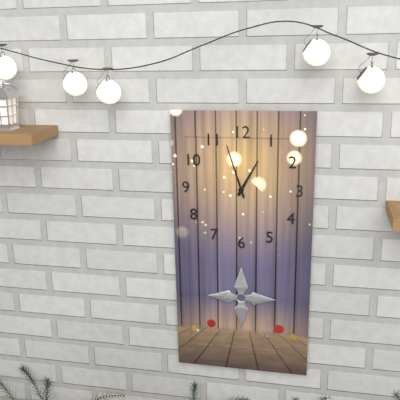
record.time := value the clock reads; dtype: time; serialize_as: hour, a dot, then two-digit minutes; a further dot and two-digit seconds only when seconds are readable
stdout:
12.57
